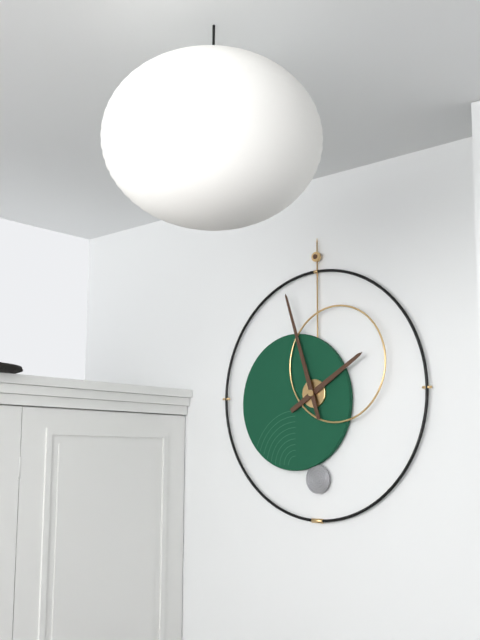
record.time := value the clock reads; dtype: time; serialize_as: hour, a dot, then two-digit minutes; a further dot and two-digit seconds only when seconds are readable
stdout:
1.57
